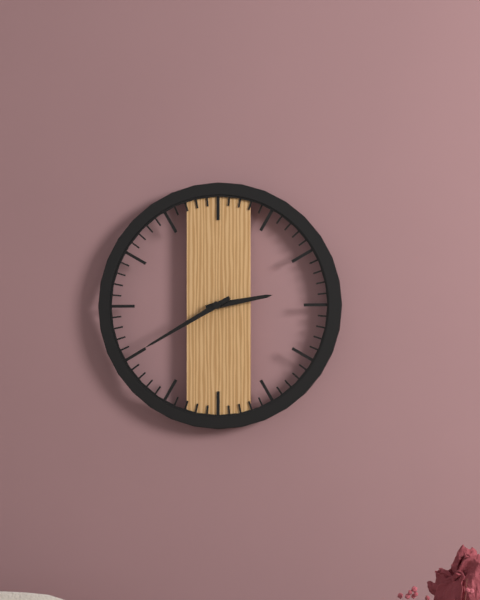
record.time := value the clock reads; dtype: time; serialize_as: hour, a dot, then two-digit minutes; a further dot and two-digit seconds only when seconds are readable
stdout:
2.40
